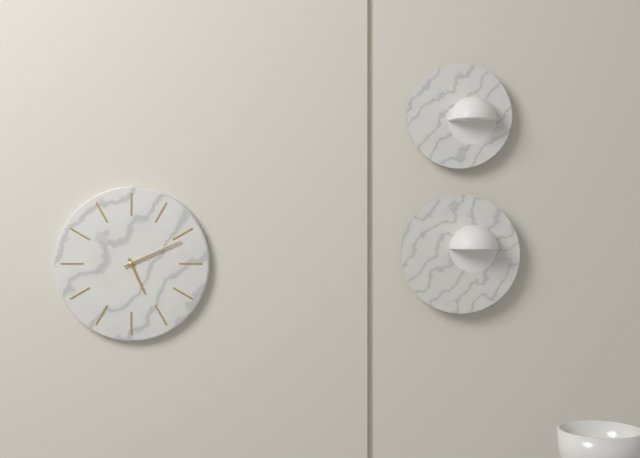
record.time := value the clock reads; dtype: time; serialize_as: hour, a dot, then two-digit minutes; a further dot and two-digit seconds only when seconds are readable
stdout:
5.11
